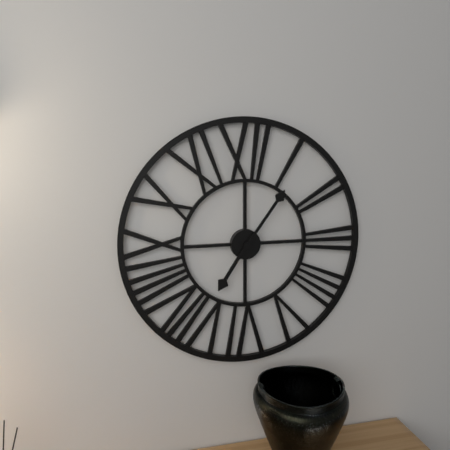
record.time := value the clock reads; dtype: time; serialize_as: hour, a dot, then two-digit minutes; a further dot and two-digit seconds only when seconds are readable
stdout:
7.06
